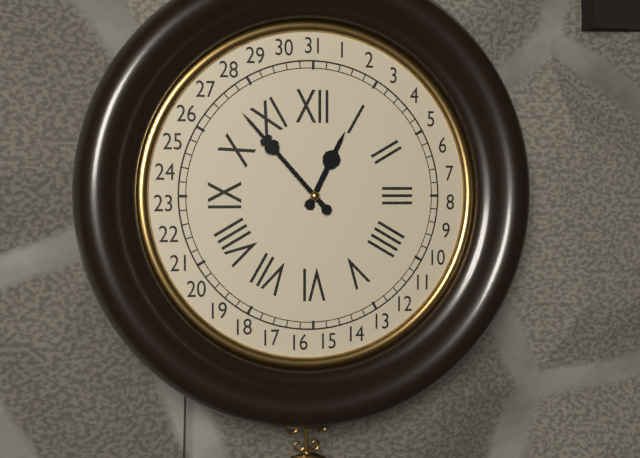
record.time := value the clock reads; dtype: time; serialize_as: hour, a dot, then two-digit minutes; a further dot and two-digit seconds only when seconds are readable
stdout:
12.53
